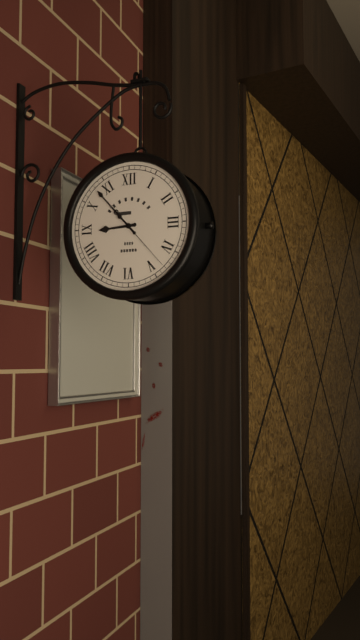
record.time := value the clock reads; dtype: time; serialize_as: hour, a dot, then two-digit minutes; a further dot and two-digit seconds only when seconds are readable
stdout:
8.53.23
